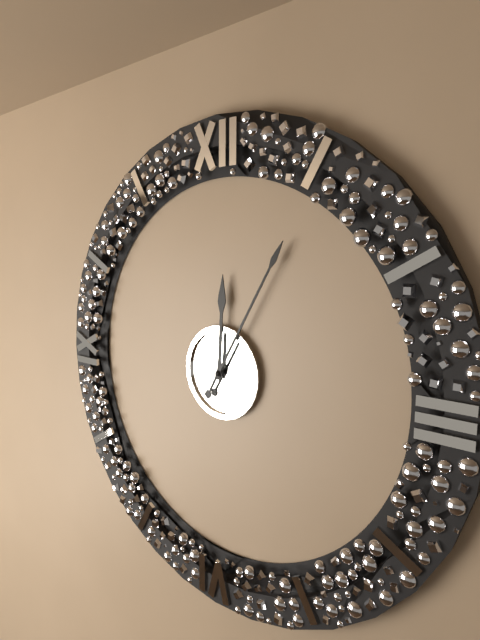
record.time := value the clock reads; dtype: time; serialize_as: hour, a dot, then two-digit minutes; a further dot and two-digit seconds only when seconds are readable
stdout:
12.05
